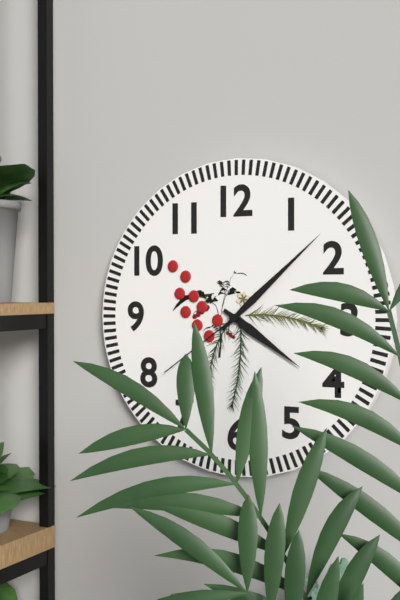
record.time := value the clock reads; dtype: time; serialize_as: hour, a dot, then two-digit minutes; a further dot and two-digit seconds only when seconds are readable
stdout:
4.08.39
